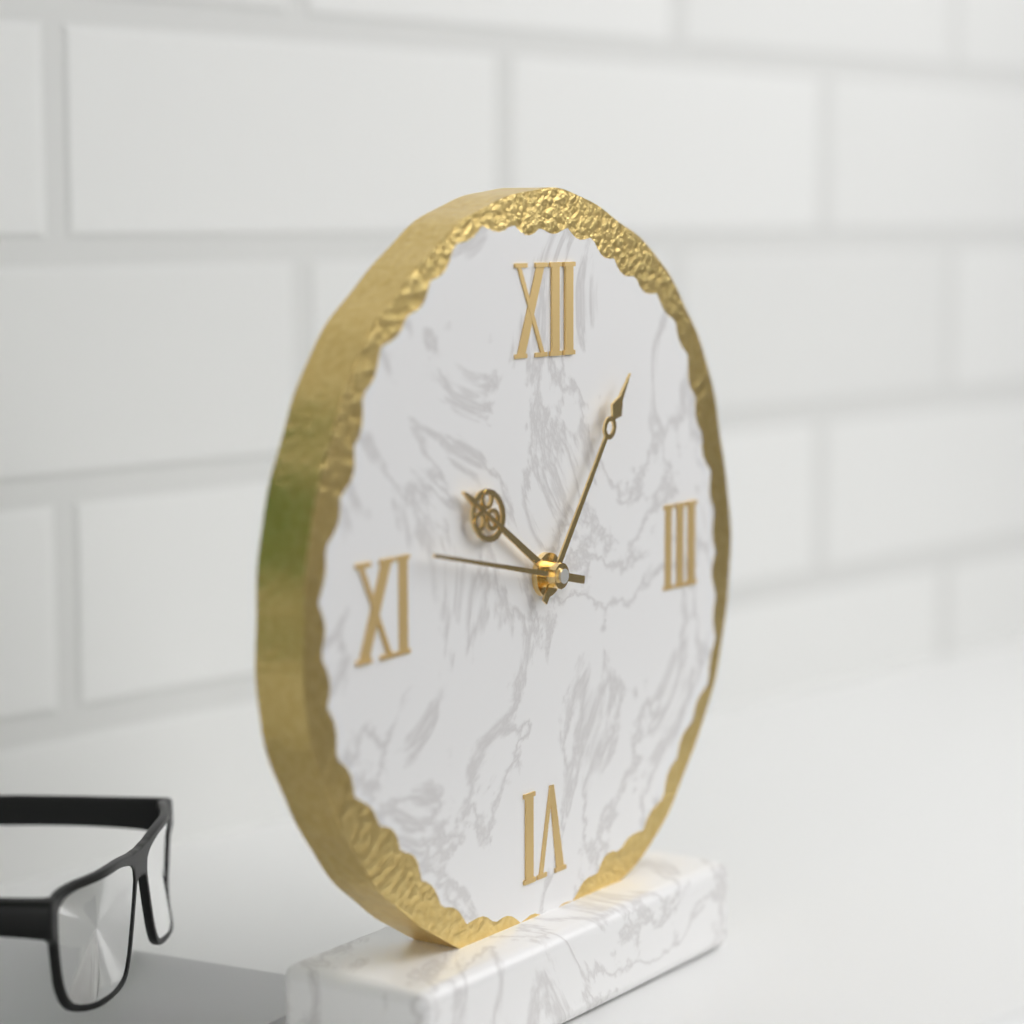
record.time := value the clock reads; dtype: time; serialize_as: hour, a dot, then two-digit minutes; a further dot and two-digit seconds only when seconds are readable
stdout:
10.06.47
